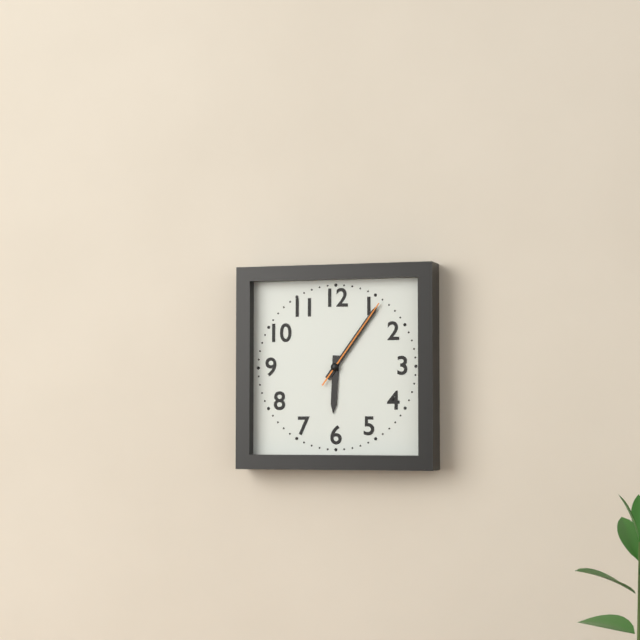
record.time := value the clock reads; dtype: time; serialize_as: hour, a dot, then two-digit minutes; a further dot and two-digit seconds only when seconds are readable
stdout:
6.06.06
